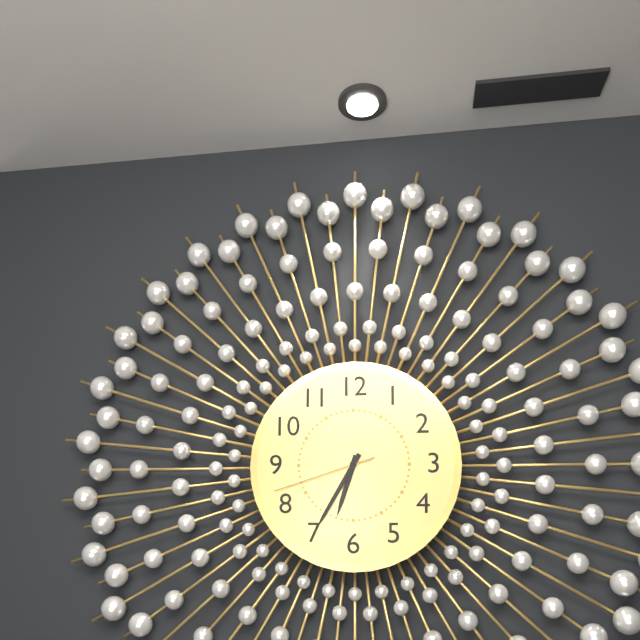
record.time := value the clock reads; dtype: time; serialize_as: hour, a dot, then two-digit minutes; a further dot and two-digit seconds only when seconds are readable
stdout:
6.35.42
